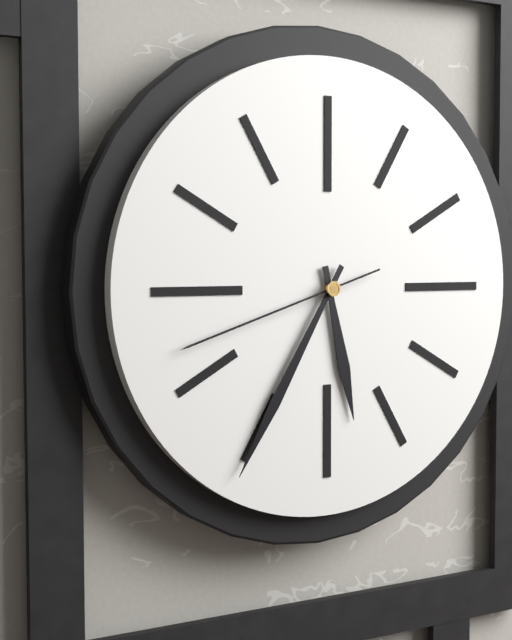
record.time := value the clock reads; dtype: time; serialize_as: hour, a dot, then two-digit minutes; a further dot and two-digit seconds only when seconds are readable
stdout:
5.35.42
